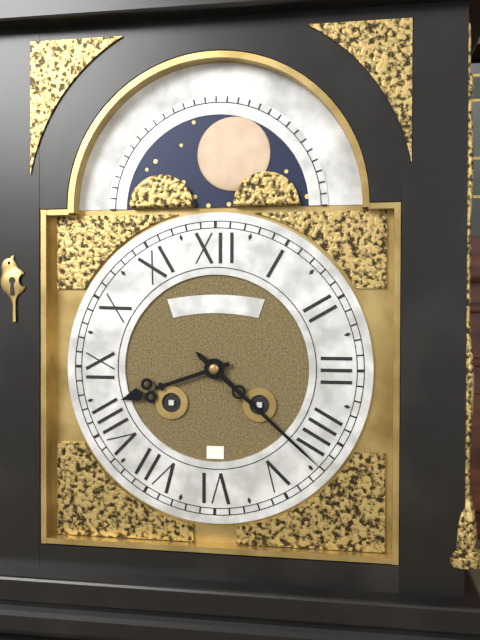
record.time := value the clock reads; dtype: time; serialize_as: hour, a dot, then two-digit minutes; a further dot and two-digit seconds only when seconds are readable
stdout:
8.22
